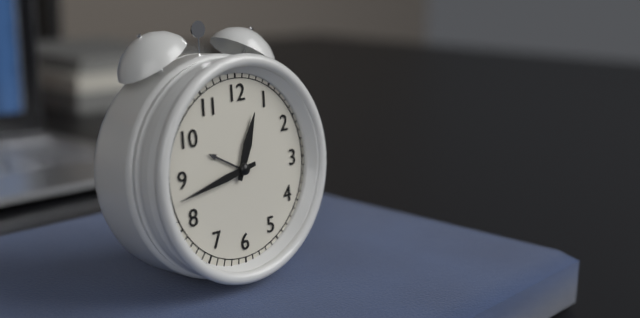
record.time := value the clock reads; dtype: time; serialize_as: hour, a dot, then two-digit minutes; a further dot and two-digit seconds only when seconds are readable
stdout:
12.43
